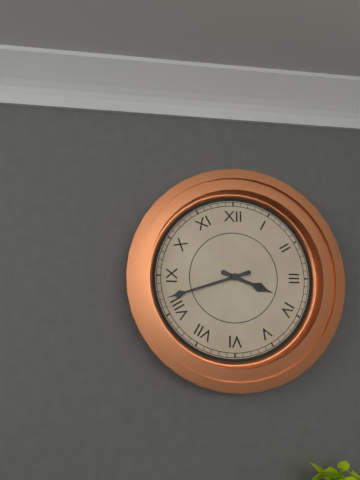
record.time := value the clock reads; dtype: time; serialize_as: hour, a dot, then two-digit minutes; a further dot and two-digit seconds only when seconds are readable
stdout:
3.42
